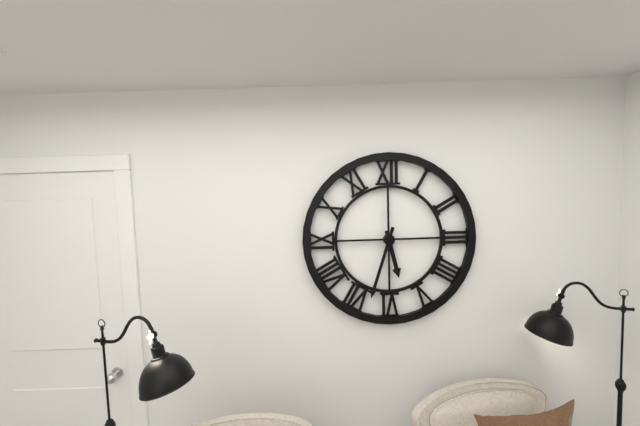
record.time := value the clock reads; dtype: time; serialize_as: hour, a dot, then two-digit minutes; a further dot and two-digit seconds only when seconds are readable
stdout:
5.33
